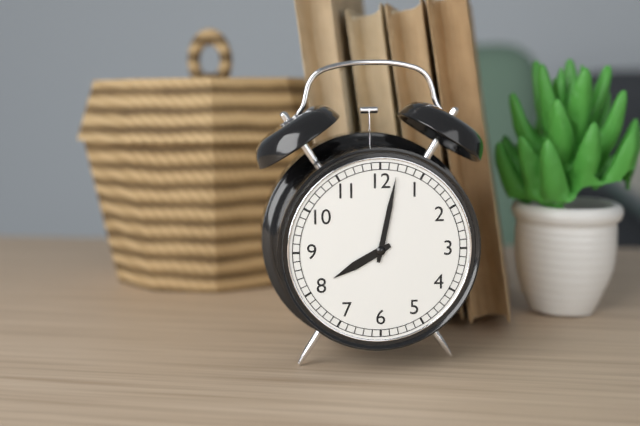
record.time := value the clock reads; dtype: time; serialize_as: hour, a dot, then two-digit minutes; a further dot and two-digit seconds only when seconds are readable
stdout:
8.02
